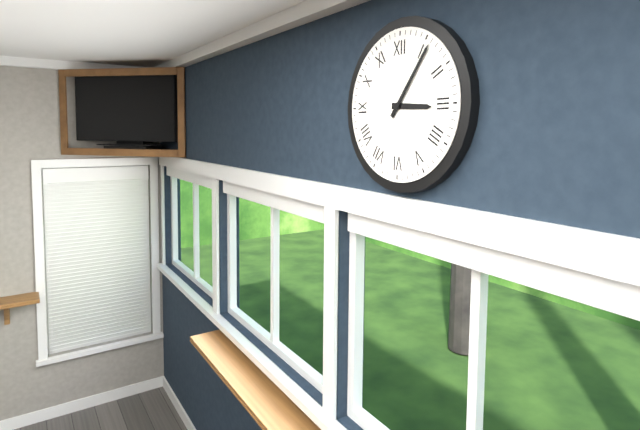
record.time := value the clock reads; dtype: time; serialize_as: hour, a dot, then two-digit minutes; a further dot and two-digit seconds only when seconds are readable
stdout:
3.06
